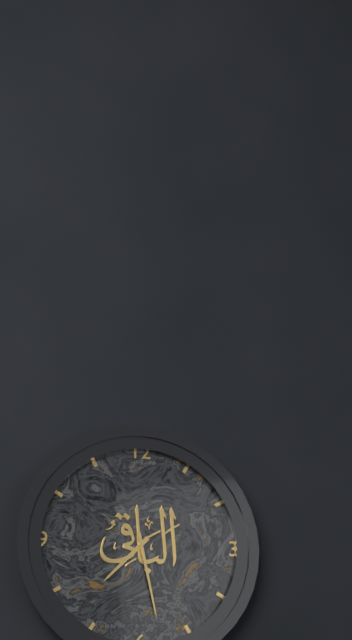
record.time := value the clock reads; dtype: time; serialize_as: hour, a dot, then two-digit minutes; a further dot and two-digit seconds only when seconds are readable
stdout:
7.28
